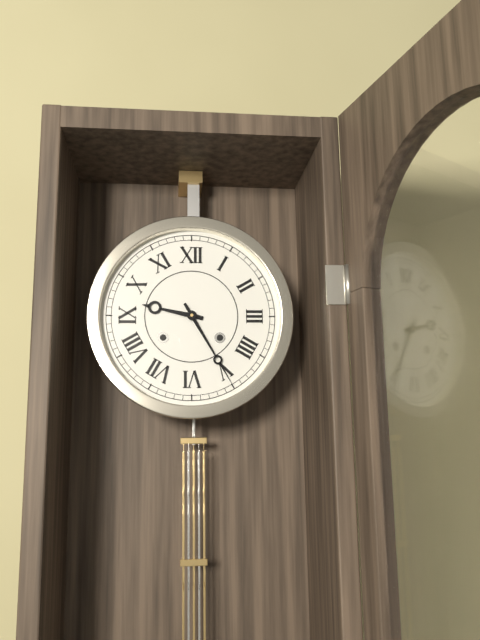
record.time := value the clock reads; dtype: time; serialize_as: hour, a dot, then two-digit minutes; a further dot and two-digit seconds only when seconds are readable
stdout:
9.25
